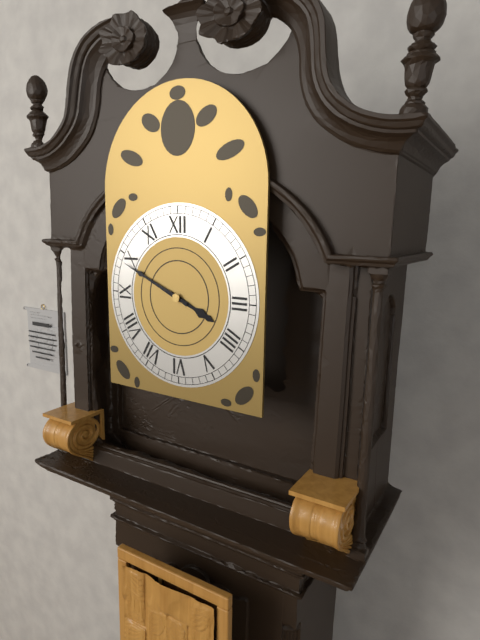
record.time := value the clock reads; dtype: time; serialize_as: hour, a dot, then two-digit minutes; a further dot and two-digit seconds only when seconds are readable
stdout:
3.49
